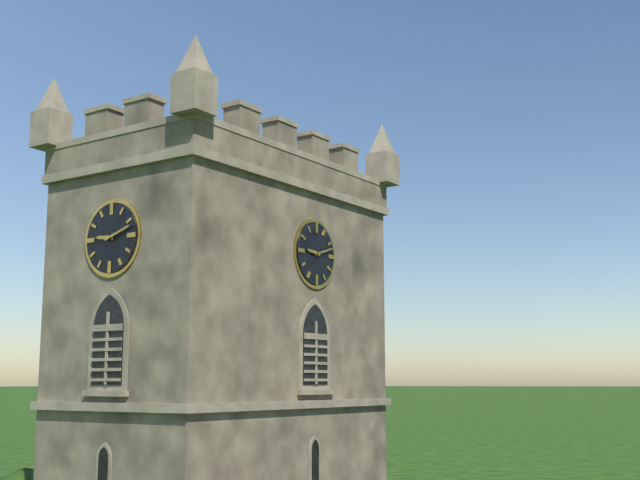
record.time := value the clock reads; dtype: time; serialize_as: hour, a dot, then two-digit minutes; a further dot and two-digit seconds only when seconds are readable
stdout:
9.12
